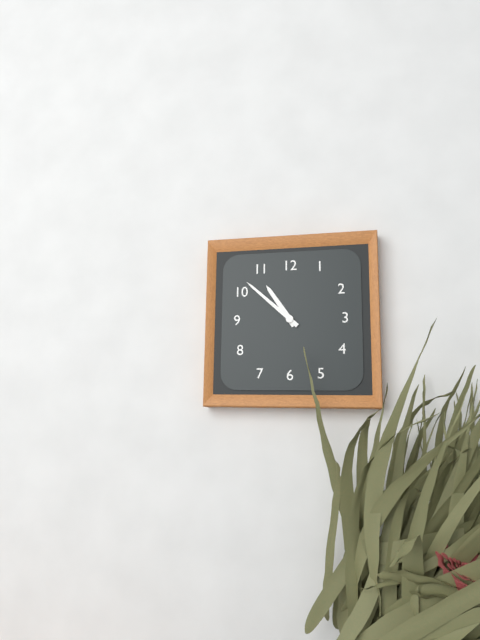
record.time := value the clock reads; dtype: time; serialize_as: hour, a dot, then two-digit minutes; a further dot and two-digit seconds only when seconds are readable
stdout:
10.52
